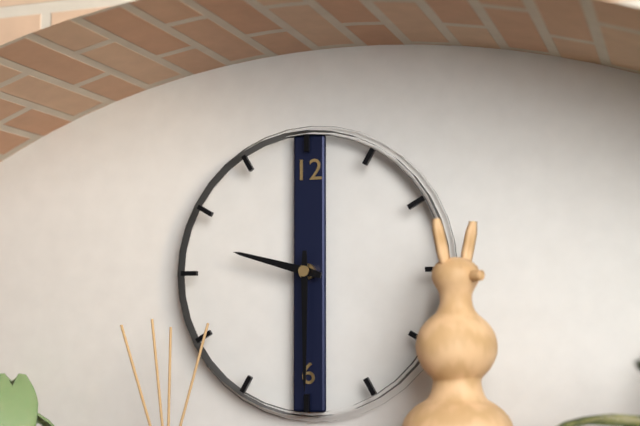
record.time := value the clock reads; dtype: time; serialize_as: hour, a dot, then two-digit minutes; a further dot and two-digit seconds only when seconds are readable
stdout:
9.30
